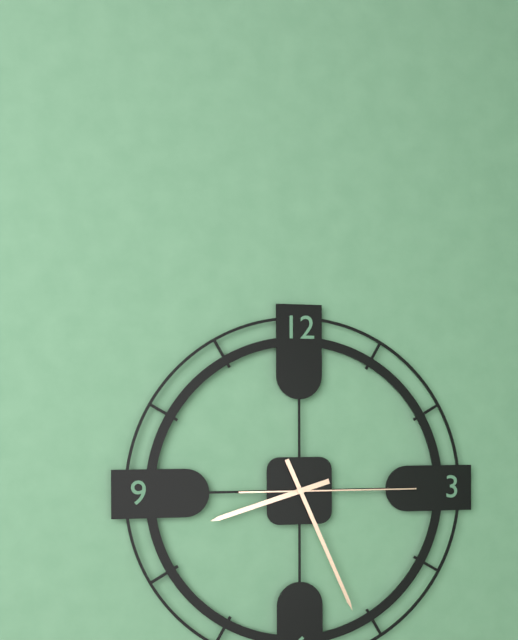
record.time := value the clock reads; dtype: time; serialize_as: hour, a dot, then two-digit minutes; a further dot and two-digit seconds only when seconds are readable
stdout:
8.26.15
